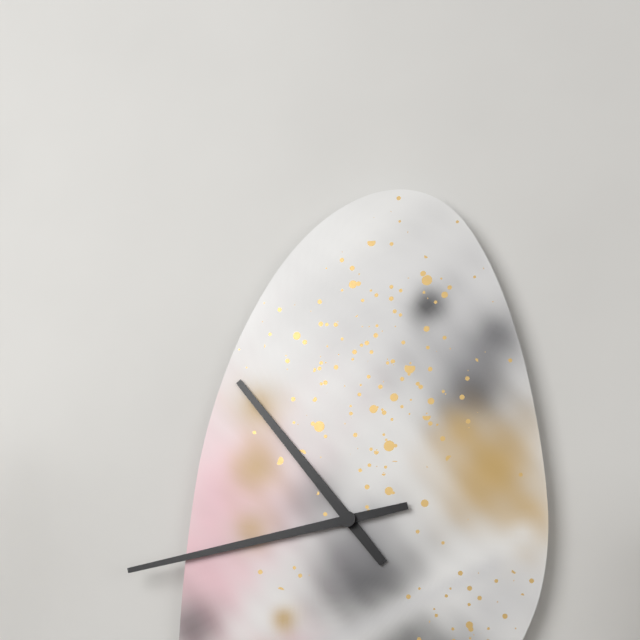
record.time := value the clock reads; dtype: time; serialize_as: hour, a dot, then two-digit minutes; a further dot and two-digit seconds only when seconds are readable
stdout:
10.43
